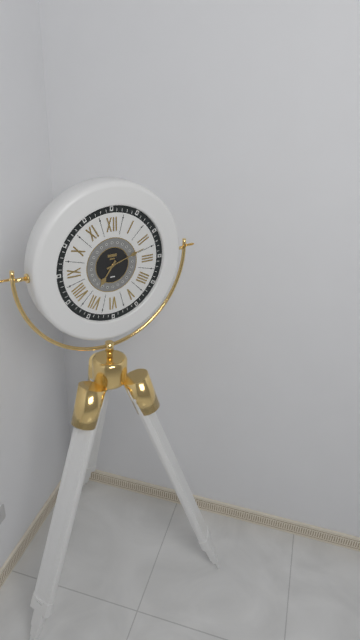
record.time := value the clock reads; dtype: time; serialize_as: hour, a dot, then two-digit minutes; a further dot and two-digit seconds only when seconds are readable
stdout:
7.12
